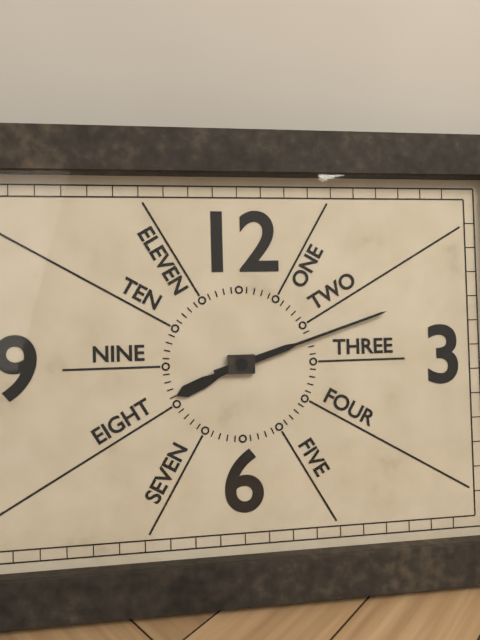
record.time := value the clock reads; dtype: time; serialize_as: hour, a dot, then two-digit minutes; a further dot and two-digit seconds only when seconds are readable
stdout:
8.12
